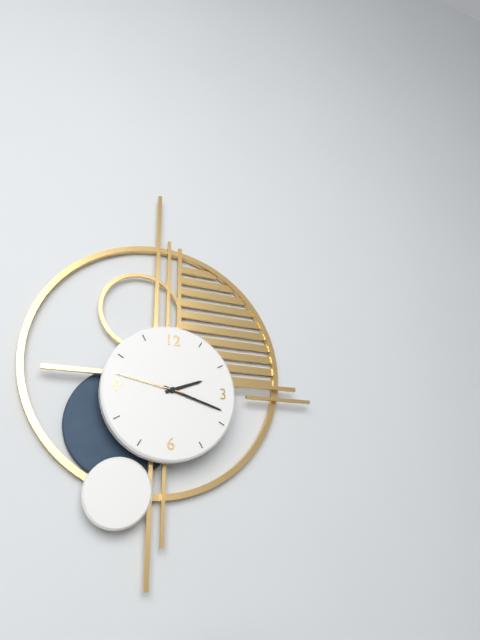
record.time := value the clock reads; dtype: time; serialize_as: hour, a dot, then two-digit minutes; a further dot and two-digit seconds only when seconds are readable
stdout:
2.18.47
